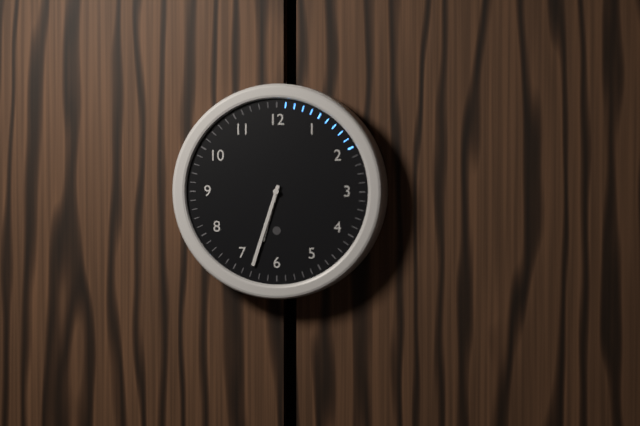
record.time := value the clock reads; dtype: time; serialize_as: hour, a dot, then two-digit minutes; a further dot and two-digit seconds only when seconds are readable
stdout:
6.33
